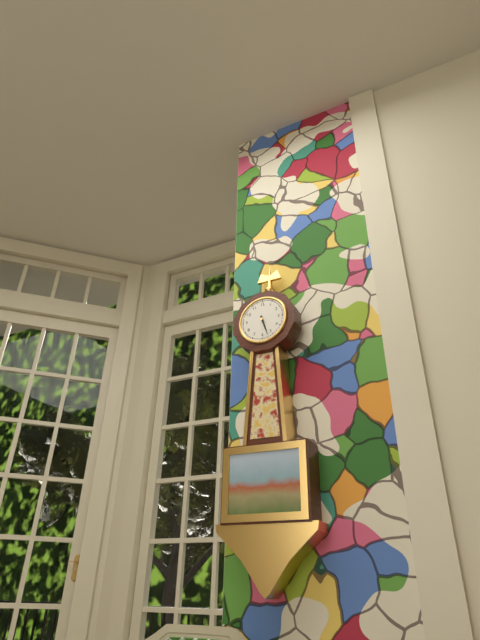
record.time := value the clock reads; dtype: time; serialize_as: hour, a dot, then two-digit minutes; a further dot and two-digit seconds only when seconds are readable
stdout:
5.27
